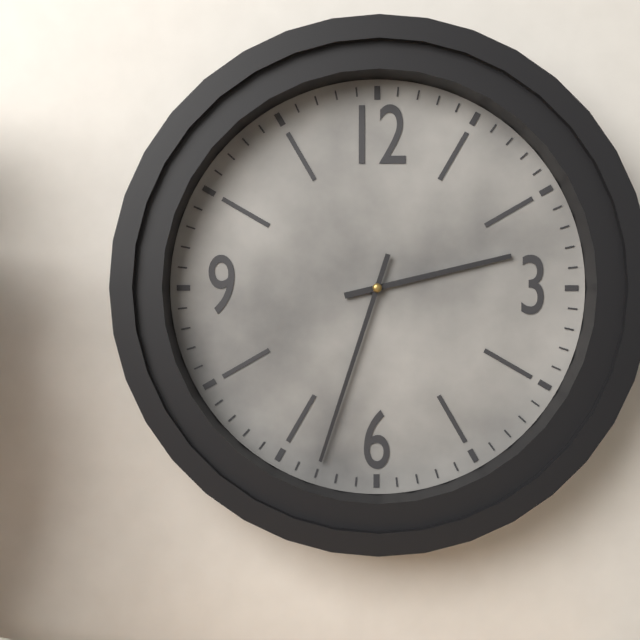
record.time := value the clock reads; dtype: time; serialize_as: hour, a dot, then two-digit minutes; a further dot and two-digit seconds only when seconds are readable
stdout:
2.33
